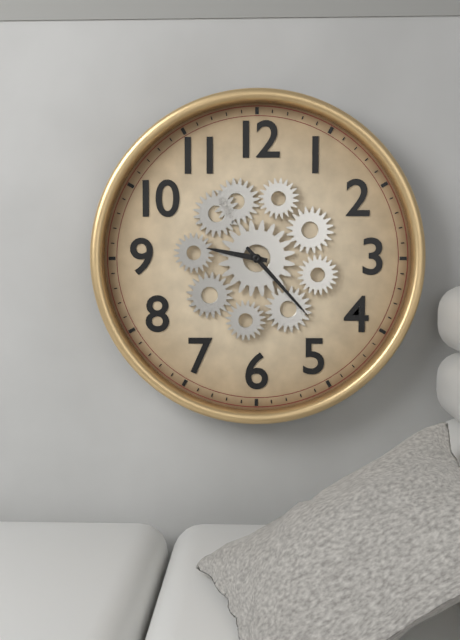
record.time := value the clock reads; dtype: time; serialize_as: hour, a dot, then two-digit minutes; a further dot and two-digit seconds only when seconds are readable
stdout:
9.23
